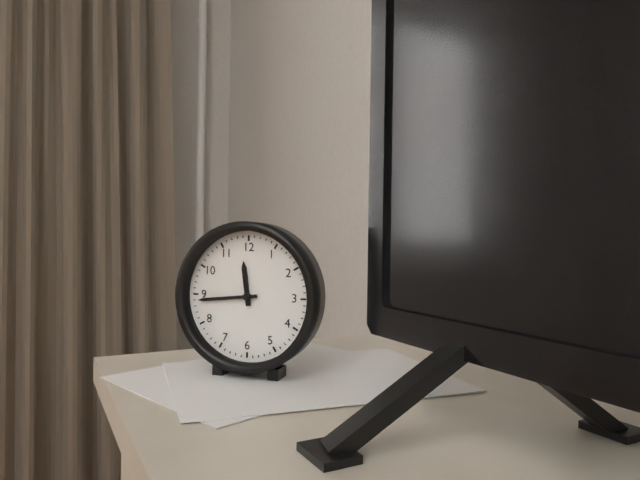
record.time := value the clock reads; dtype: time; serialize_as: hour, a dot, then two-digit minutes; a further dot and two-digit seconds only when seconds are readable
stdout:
11.44
